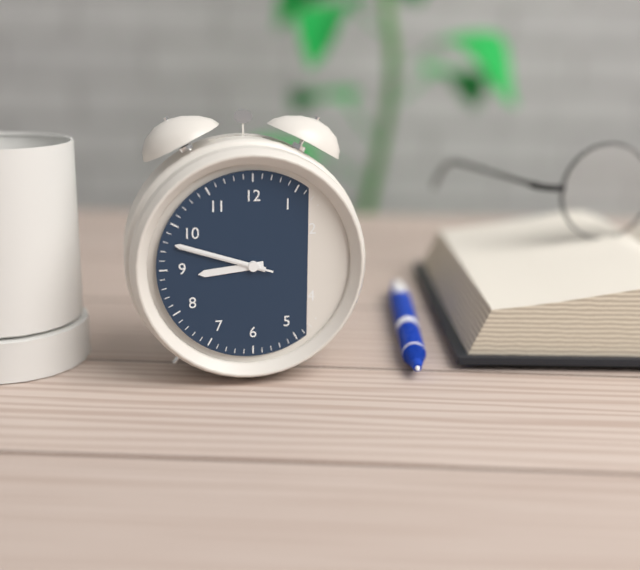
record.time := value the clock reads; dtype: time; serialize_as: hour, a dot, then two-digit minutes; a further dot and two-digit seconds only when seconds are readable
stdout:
8.48.48
